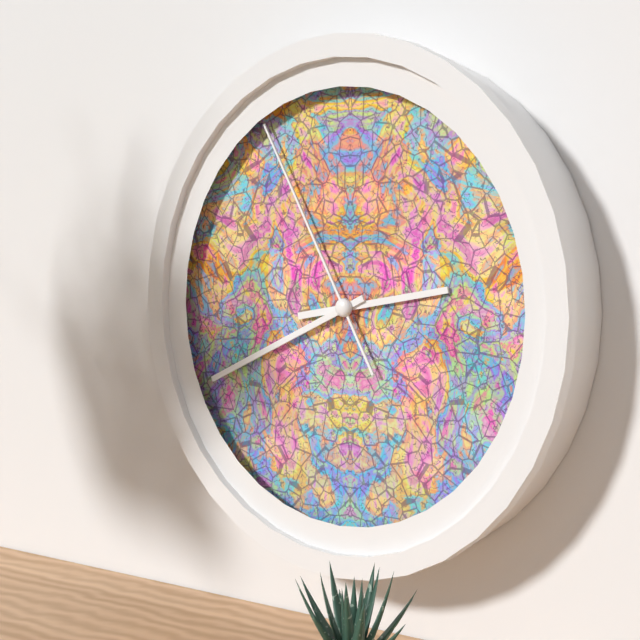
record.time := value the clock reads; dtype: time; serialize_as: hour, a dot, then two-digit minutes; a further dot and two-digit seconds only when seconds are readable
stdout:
2.41.55
